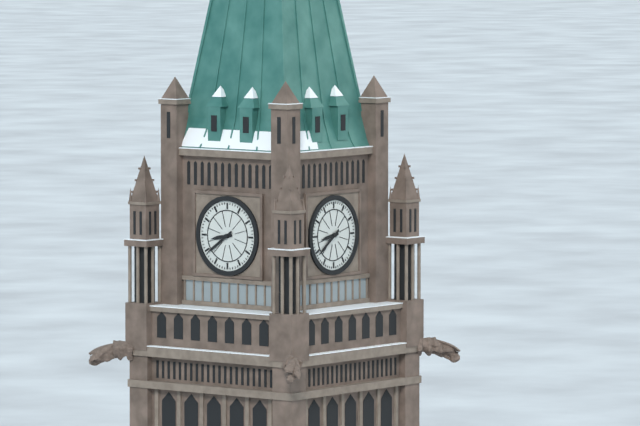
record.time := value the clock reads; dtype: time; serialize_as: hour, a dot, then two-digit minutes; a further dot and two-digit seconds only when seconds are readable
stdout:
8.39
